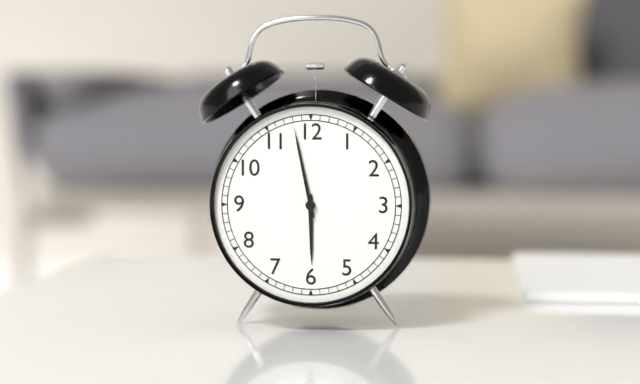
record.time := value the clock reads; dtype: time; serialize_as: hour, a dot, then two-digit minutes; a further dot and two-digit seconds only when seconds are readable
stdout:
5.58
